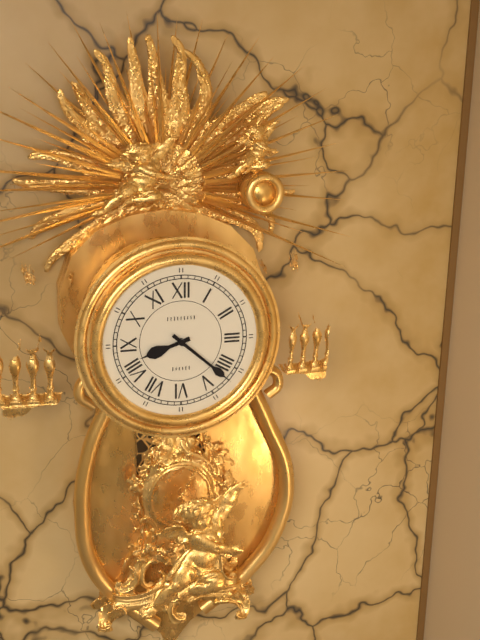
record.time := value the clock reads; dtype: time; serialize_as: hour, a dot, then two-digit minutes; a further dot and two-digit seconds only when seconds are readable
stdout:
8.22
